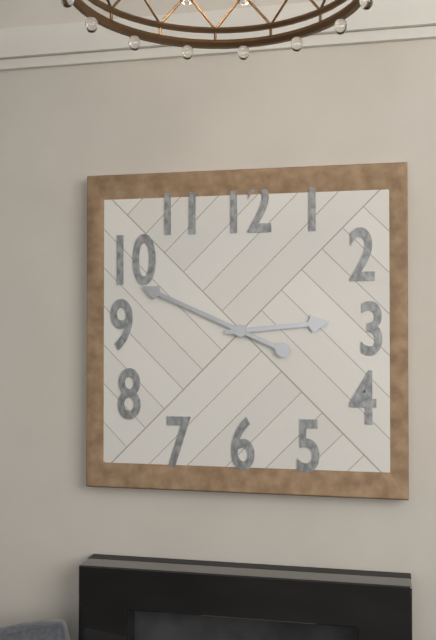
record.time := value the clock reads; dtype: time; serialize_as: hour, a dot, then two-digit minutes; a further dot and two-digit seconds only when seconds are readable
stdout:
2.49
